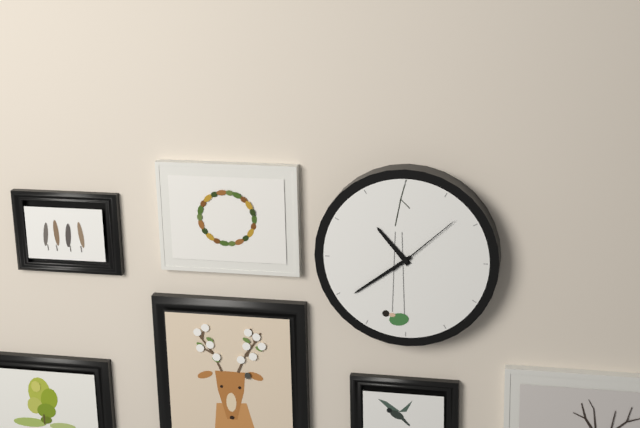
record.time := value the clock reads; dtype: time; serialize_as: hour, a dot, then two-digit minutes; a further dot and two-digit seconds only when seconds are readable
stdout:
10.39.08
